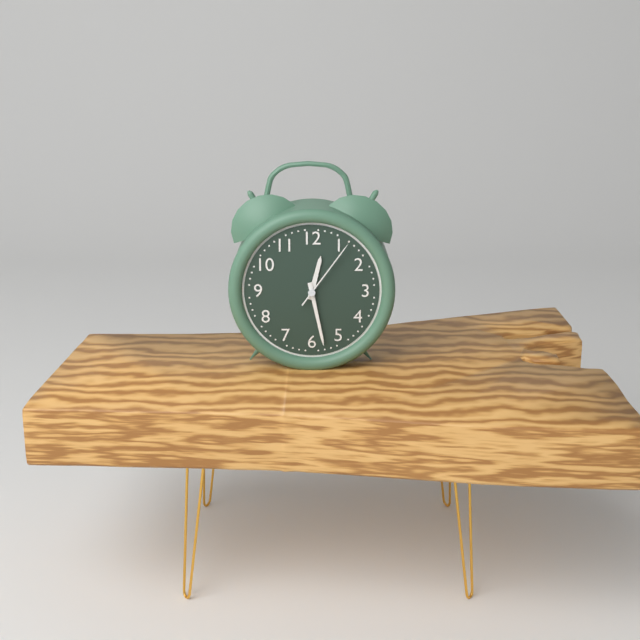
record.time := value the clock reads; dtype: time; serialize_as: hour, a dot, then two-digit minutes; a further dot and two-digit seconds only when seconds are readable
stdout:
12.28.06
